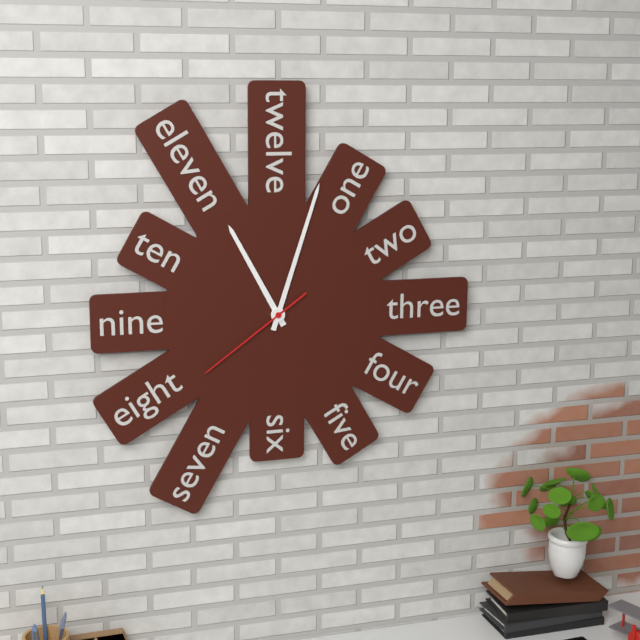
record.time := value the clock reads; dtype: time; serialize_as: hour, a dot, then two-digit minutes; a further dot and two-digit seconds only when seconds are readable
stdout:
11.03.39
